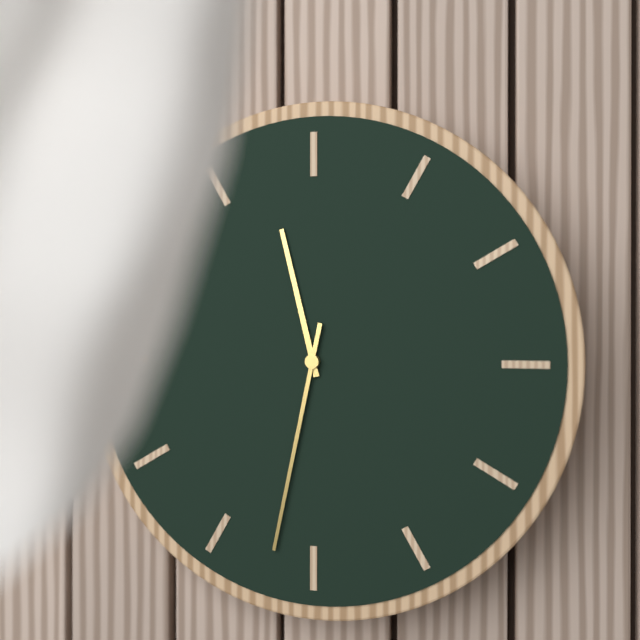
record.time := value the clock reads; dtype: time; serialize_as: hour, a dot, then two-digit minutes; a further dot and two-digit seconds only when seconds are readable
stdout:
11.32
